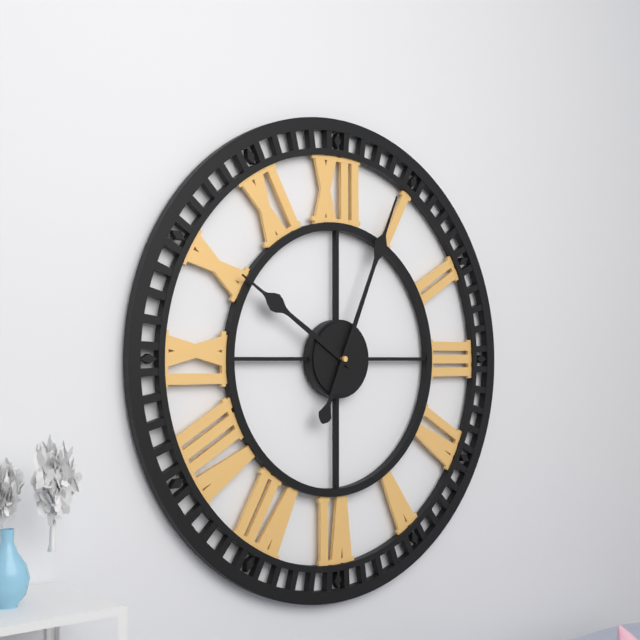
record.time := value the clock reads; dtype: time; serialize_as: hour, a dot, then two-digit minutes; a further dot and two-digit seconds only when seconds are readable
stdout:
10.04
